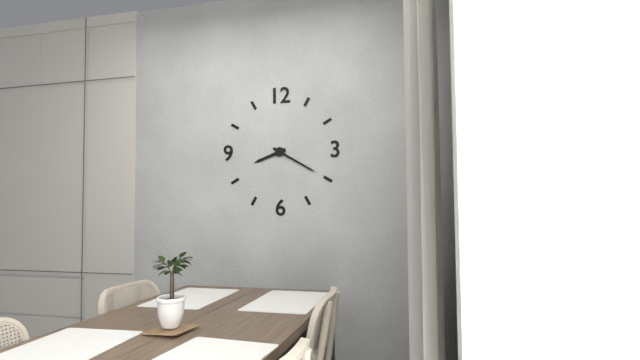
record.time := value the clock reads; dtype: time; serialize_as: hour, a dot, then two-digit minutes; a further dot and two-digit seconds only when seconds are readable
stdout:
8.20
